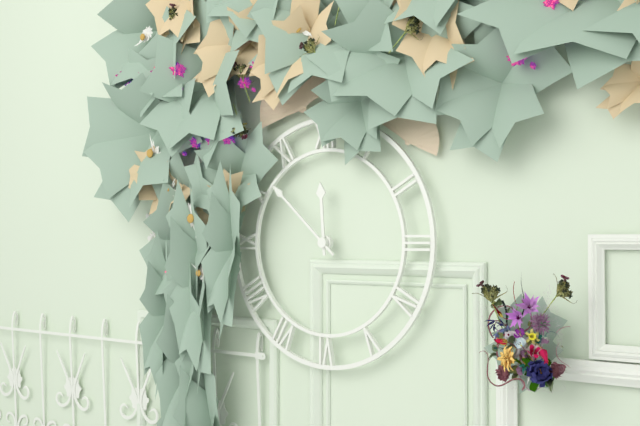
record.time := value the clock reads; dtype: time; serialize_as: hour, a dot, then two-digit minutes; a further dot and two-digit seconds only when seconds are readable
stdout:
11.52
